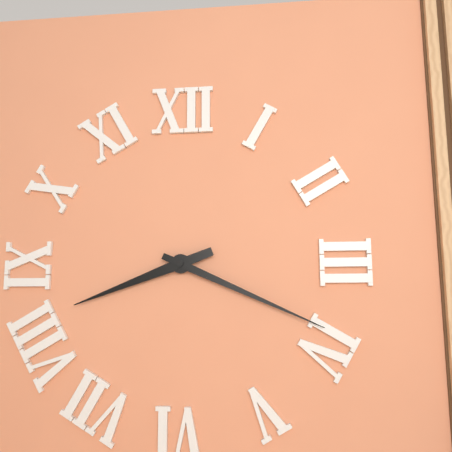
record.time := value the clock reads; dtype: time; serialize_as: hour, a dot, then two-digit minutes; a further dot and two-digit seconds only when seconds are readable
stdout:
8.19
